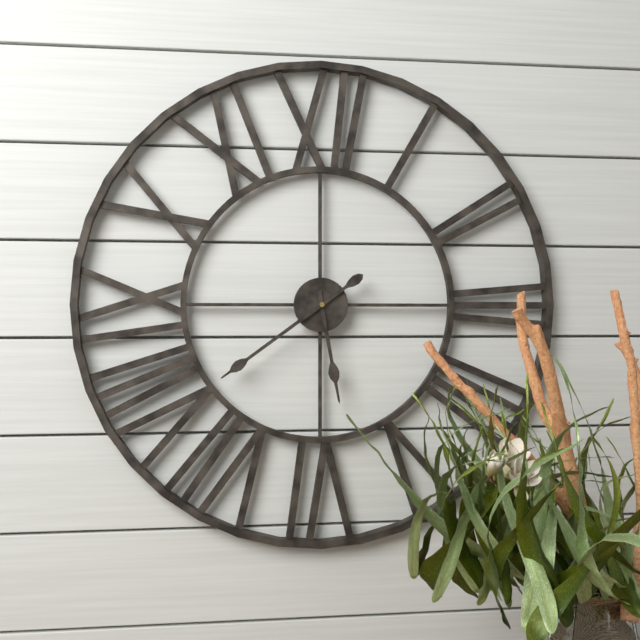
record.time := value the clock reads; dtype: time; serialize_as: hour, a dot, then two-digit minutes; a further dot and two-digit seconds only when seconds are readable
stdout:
5.39
